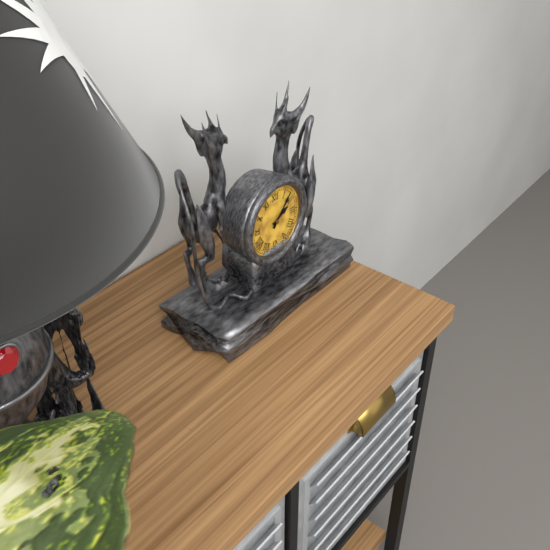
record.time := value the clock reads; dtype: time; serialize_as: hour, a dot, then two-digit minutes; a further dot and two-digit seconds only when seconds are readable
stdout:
2.07
